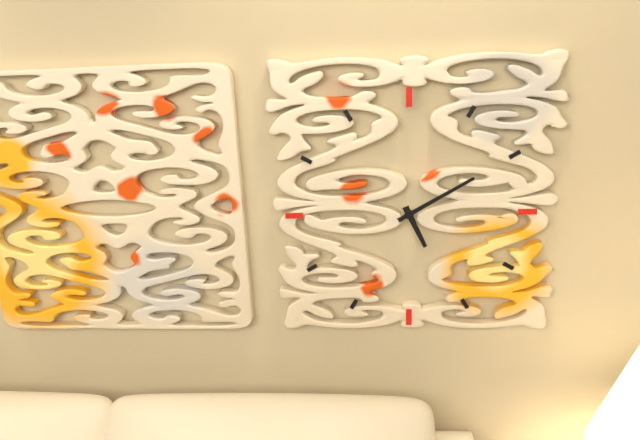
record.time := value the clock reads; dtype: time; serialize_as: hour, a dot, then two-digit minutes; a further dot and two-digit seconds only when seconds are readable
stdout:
5.10
